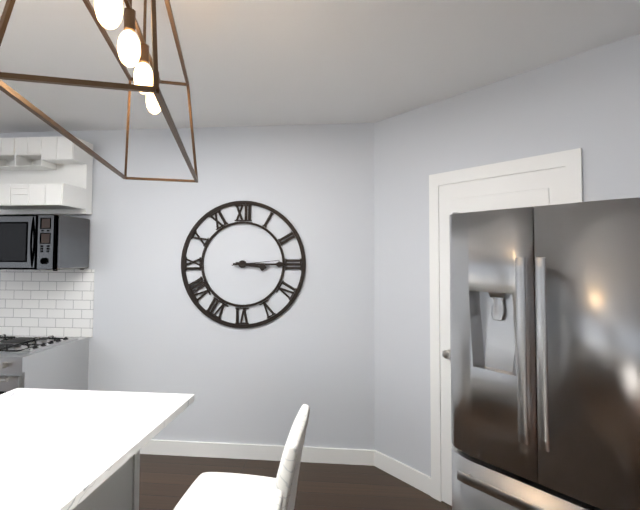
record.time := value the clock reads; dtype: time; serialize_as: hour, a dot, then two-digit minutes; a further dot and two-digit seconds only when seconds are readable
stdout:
3.15
